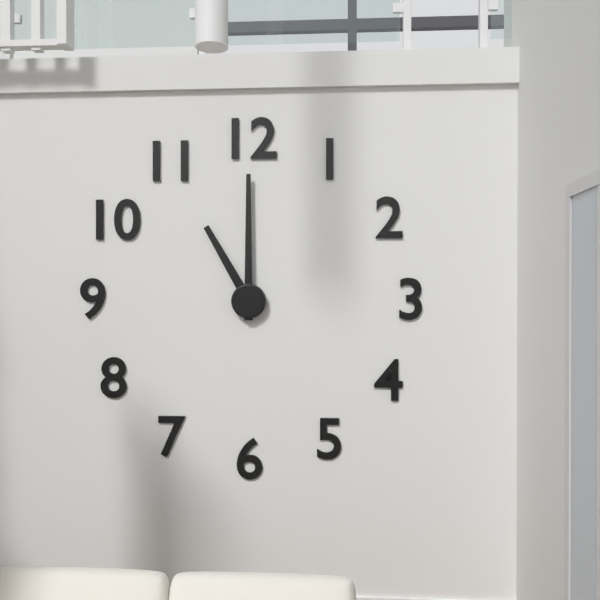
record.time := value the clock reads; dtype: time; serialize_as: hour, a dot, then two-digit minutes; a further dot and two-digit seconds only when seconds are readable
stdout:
11.00
